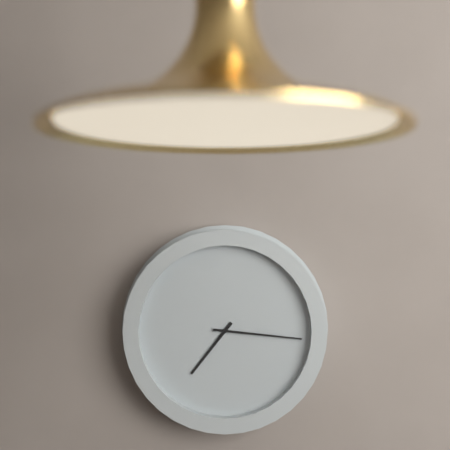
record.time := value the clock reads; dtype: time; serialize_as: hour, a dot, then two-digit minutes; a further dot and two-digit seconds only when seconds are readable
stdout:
7.16
